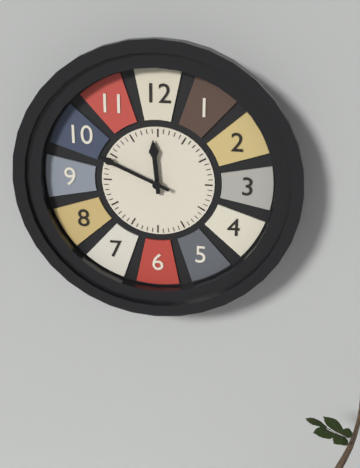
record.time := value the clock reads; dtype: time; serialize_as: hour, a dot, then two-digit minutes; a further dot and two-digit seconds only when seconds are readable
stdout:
11.49
